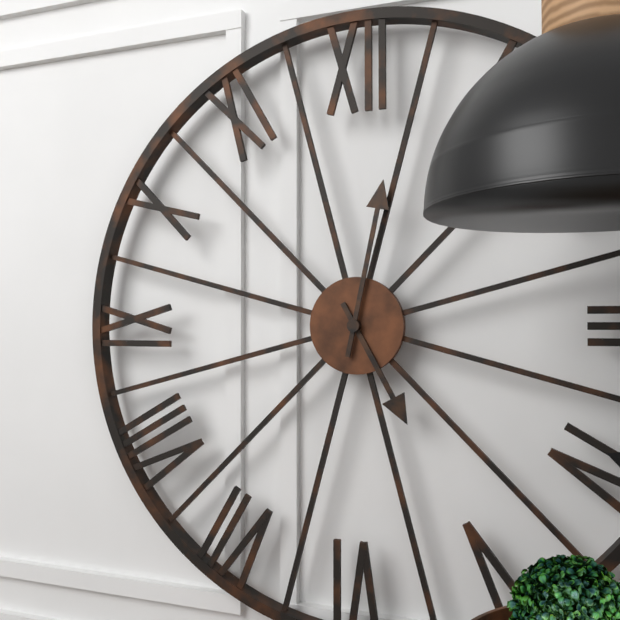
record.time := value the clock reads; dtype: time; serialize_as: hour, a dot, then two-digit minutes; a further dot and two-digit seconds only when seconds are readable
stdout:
5.02
